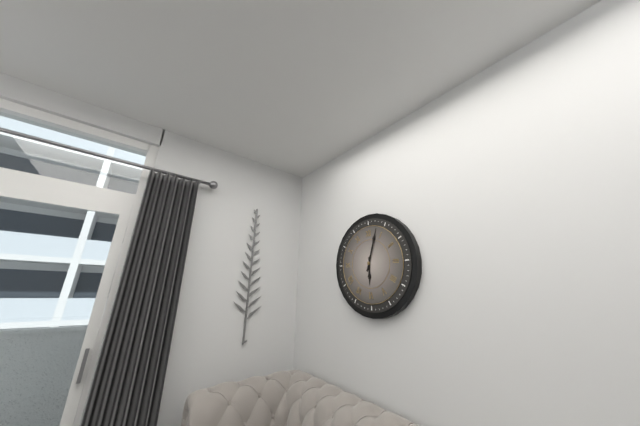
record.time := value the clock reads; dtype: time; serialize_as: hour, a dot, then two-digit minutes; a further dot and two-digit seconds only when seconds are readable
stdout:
6.03
